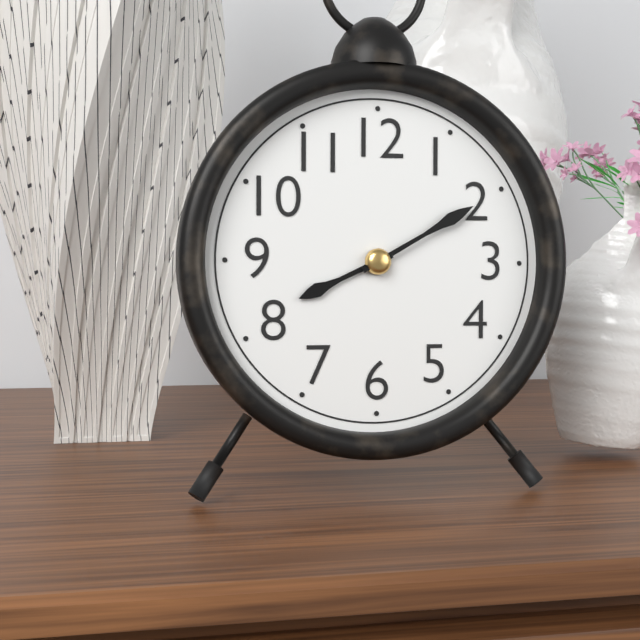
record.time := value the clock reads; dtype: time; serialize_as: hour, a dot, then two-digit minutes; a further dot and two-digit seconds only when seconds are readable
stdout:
8.10
